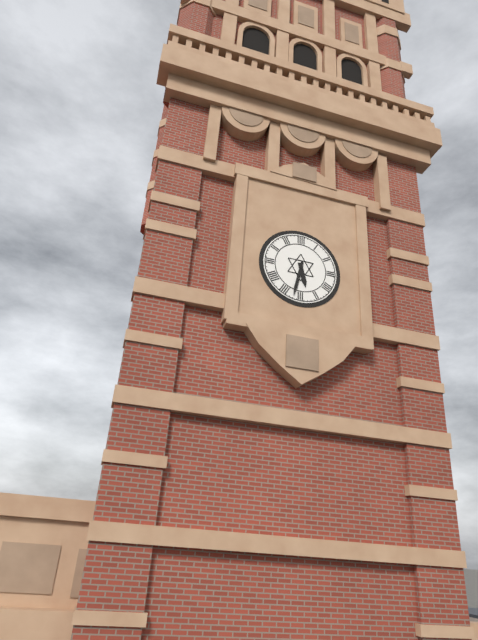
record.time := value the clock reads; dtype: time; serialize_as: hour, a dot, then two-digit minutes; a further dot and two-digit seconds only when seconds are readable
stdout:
5.32
